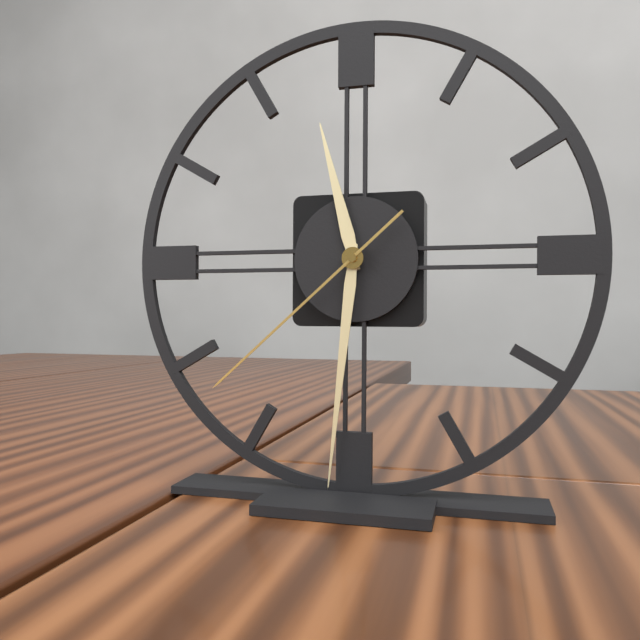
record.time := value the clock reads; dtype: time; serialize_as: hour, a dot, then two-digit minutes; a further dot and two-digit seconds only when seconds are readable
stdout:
11.31.38
